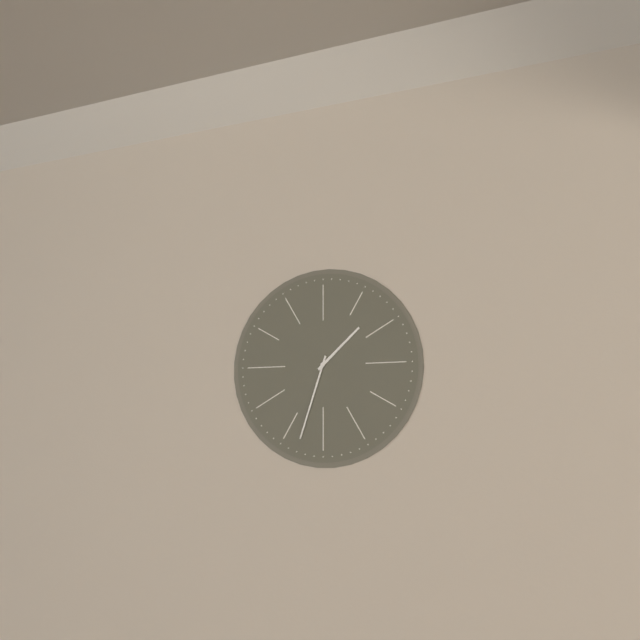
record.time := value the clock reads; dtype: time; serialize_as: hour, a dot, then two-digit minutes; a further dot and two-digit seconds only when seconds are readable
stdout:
1.33
